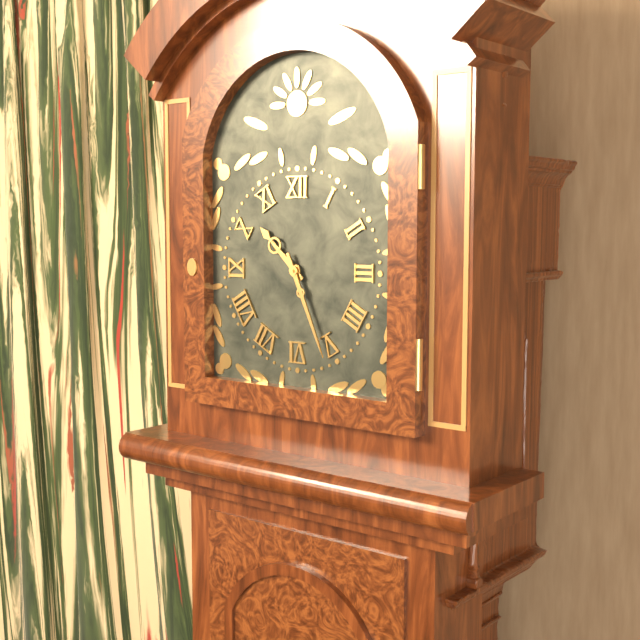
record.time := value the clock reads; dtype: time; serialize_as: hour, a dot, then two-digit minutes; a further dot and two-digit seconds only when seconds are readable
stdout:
10.26
